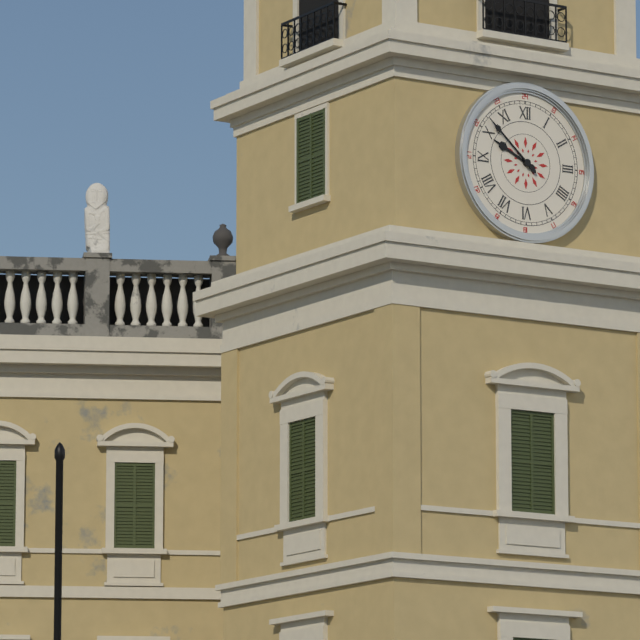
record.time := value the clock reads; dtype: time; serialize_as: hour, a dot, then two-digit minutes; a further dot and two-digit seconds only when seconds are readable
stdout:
9.52
